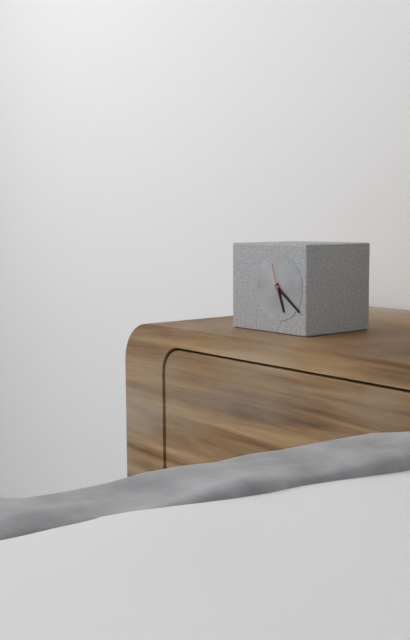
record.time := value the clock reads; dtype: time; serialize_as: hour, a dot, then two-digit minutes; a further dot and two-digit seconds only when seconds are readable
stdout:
5.21
